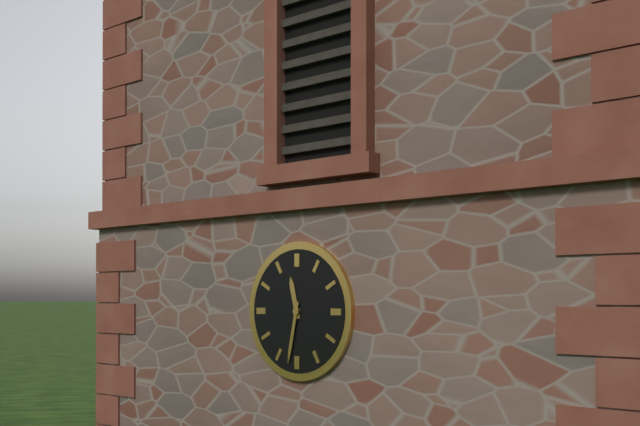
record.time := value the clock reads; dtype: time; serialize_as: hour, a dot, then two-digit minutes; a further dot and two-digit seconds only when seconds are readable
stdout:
11.32
